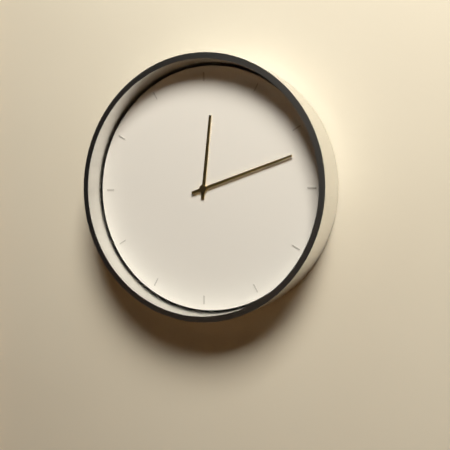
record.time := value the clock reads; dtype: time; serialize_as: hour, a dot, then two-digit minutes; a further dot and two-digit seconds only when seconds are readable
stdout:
12.12
